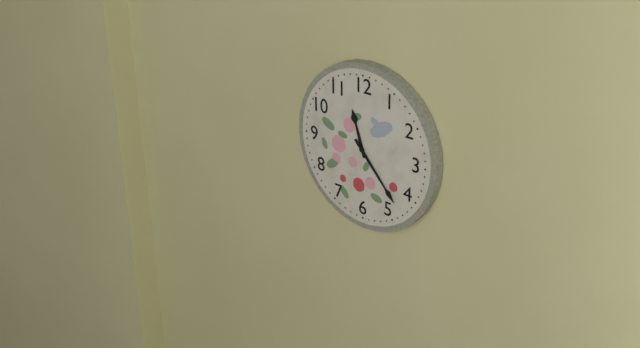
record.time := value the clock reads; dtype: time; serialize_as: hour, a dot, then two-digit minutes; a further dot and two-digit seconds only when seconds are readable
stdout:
11.23
